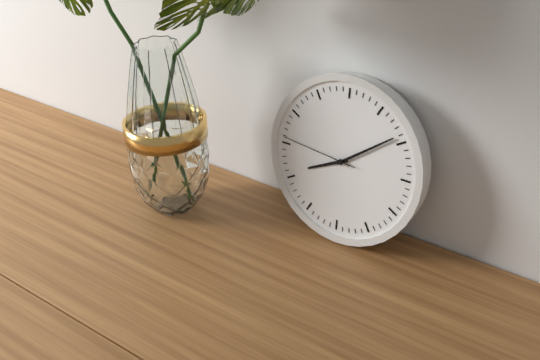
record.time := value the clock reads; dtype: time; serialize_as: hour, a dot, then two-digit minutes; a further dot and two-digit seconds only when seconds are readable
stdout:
8.09.46
